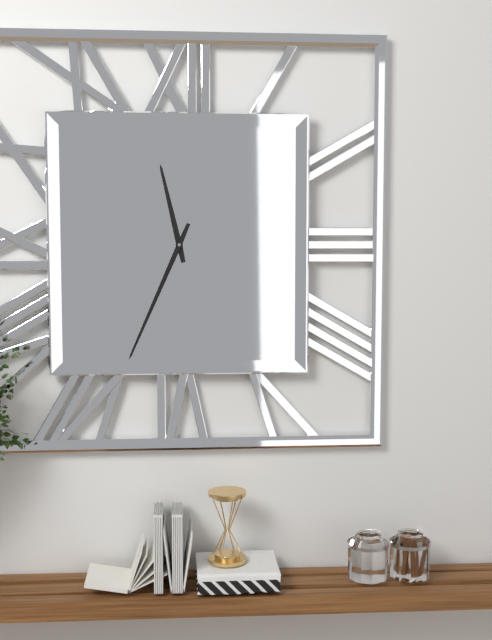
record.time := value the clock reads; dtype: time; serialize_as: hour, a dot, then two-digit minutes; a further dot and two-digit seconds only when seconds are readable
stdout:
11.34
